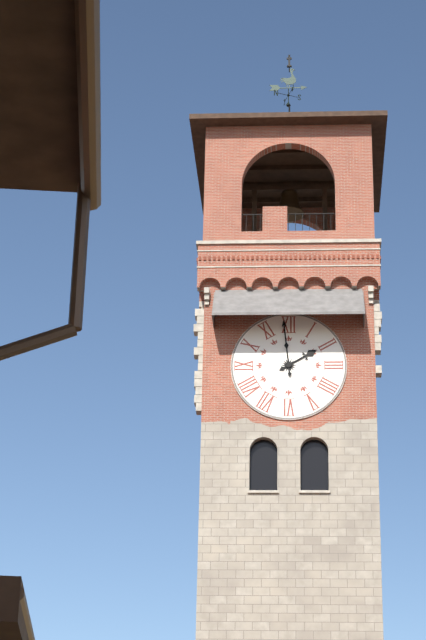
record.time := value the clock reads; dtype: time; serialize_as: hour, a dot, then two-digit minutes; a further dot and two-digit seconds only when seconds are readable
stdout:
1.59
